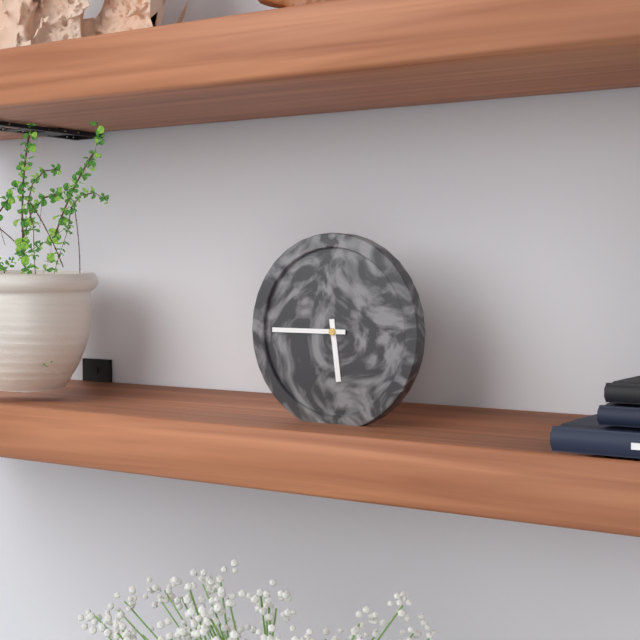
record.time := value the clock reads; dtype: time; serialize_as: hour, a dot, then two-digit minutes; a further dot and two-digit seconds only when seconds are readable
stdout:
5.45
